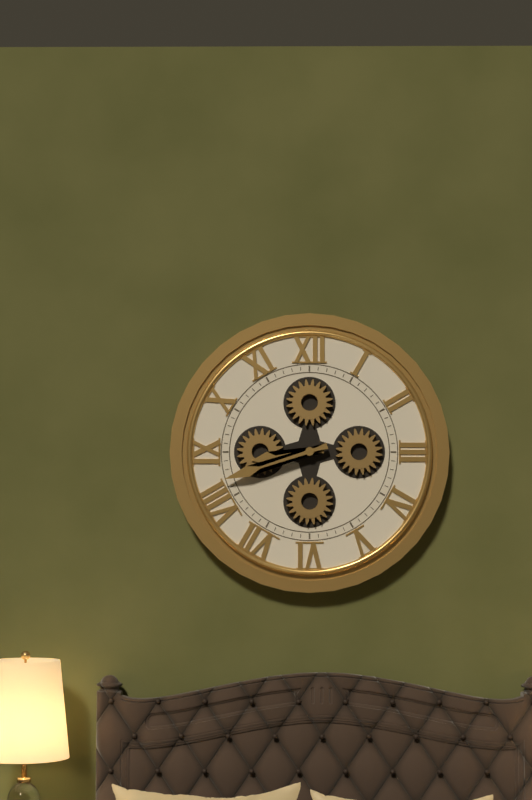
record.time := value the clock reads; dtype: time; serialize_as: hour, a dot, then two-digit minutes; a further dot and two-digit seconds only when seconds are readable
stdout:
8.42
